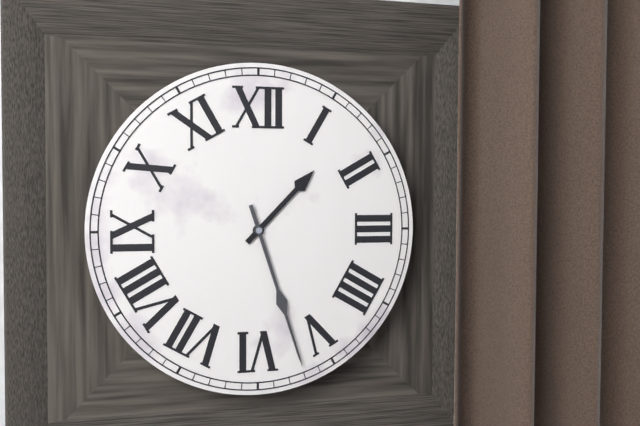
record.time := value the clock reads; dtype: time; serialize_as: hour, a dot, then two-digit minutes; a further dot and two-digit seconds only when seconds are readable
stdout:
1.27
